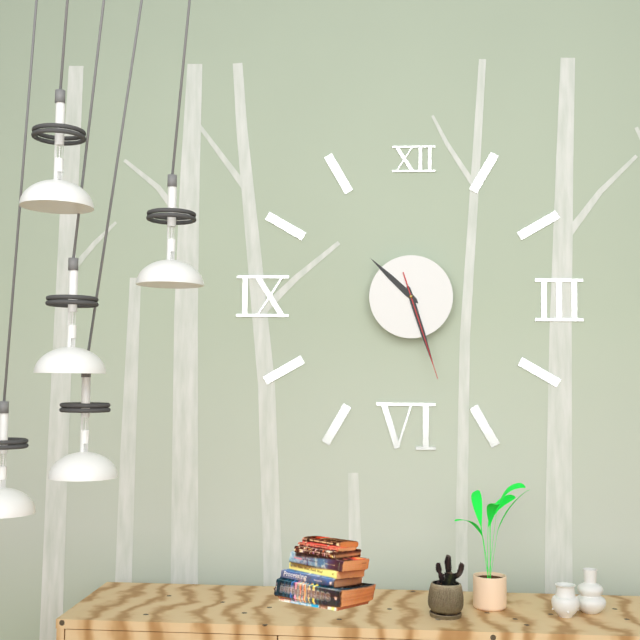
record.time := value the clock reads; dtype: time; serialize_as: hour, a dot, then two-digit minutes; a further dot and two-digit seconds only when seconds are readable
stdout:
10.27.27
